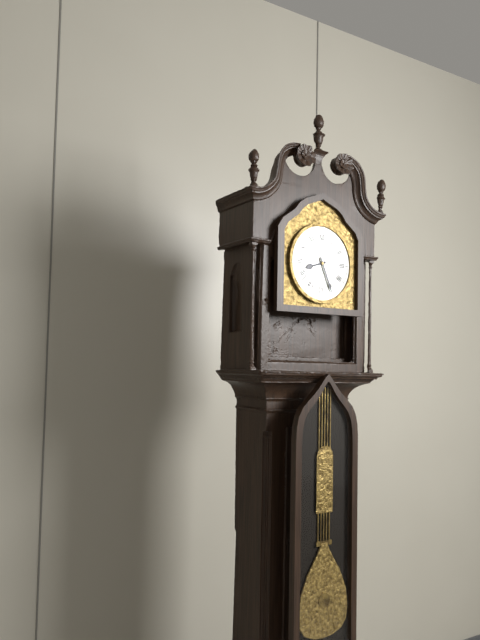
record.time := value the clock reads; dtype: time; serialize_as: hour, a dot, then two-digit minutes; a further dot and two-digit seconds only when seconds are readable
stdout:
8.26
